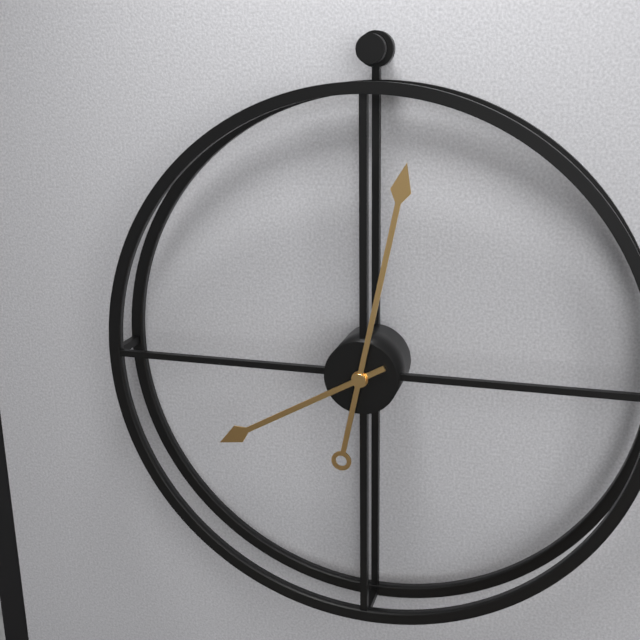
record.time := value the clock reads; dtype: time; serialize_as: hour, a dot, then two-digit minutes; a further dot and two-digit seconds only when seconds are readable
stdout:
8.02
